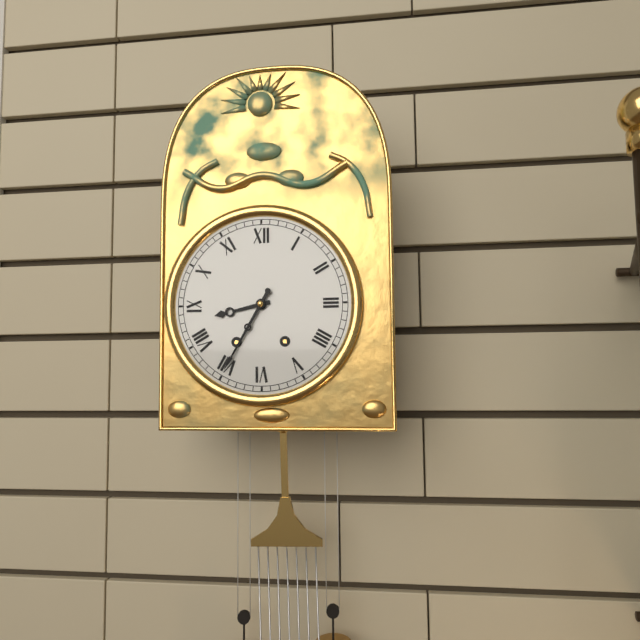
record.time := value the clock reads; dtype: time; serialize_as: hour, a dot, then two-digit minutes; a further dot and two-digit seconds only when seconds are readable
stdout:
8.35
